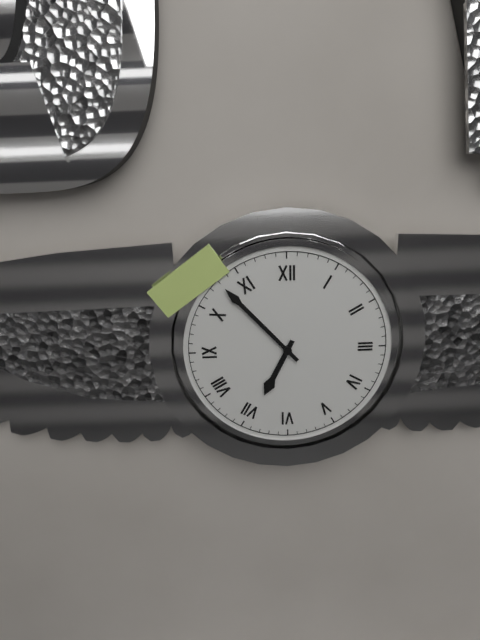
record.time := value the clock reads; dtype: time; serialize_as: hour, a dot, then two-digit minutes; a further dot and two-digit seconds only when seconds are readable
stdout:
6.53
